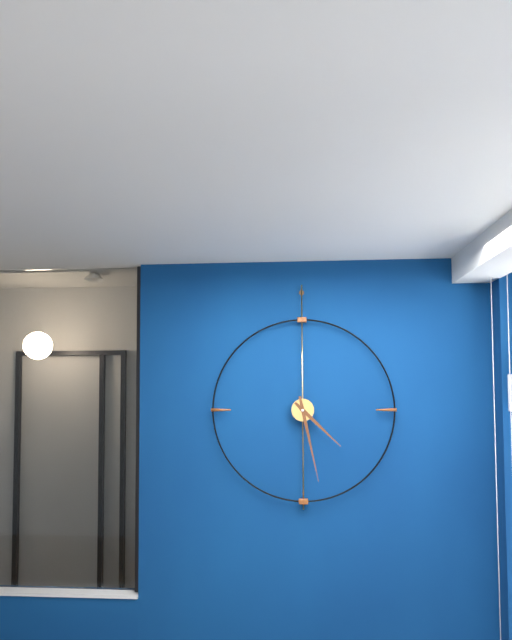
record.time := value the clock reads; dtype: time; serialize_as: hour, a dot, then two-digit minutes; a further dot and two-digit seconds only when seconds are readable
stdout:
4.28
